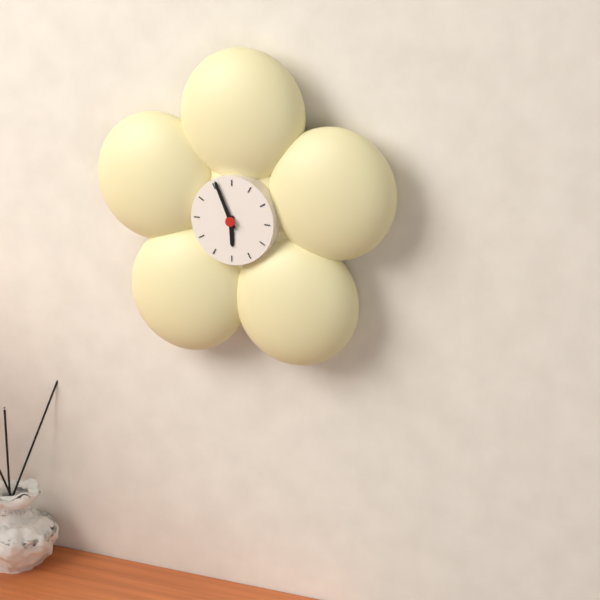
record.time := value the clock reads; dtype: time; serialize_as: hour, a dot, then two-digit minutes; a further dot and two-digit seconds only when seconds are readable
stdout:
5.56
